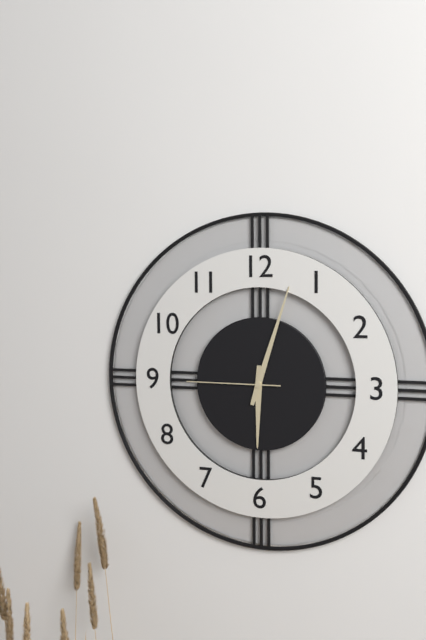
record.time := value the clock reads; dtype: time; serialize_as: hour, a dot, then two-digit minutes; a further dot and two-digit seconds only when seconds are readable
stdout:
6.03.45
